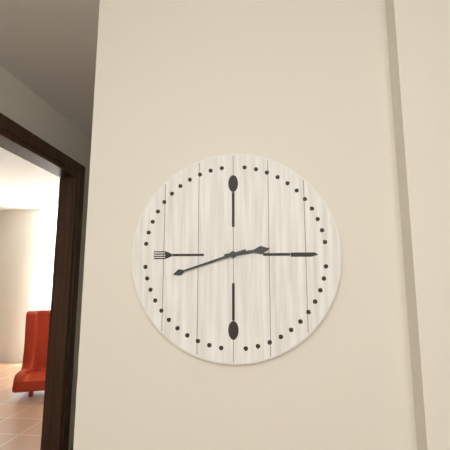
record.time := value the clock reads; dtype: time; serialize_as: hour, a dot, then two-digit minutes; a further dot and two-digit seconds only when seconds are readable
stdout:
2.42
